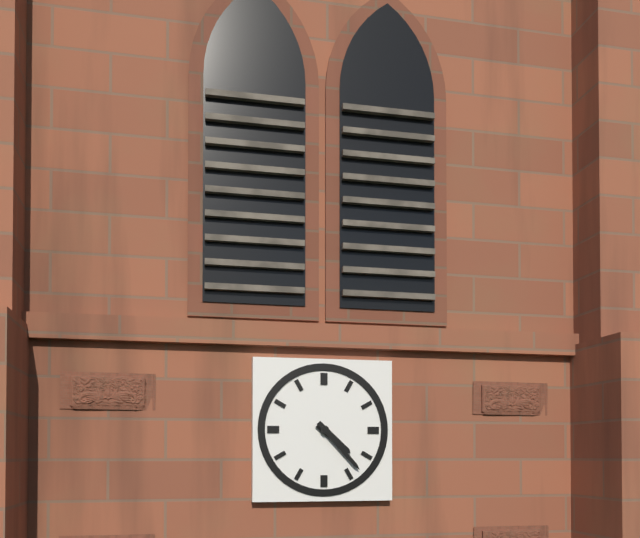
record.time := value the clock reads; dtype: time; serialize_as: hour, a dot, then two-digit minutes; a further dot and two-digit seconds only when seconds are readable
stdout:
4.23
